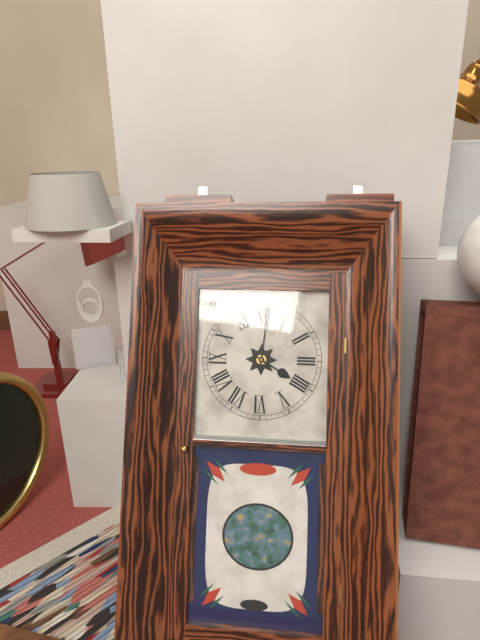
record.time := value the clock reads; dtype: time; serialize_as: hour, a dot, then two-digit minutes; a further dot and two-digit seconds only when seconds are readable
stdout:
4.01
